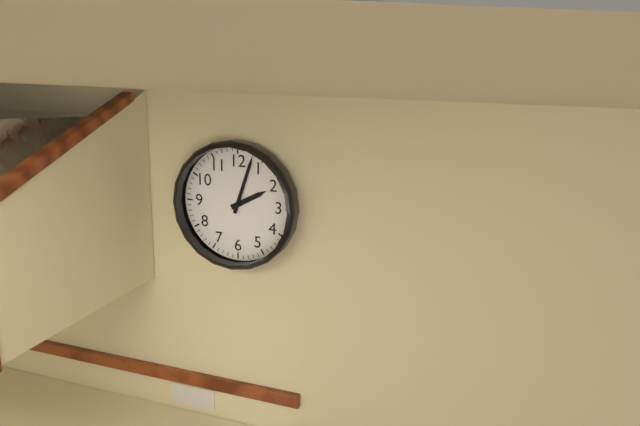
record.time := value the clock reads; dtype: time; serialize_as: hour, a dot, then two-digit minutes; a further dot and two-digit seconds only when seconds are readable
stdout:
2.03
